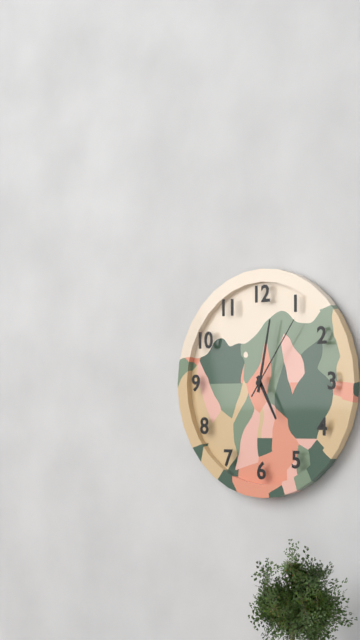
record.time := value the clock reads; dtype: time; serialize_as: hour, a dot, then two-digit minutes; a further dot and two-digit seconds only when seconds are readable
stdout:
5.02.06
